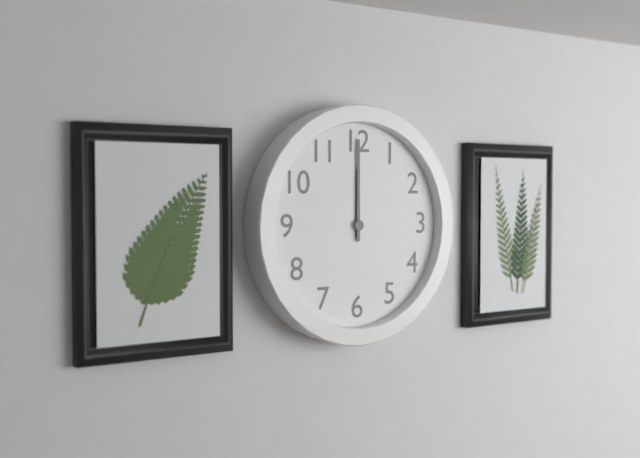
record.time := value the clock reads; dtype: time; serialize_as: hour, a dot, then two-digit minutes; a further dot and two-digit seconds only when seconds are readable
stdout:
12.00
